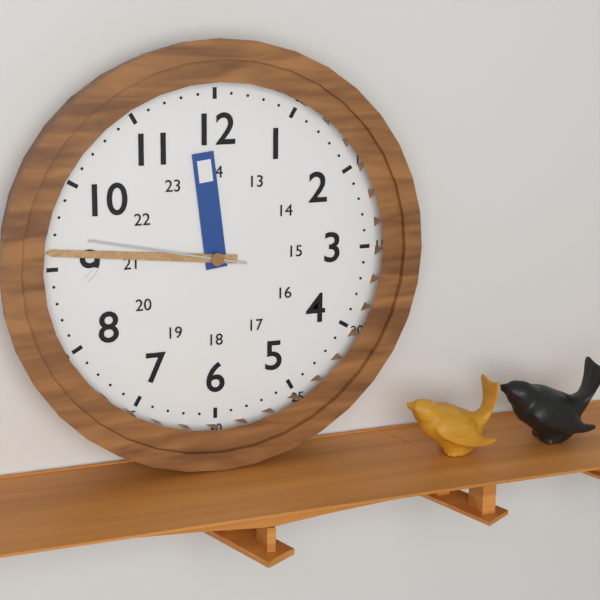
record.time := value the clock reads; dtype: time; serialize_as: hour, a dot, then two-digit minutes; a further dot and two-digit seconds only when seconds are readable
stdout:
11.46.47
